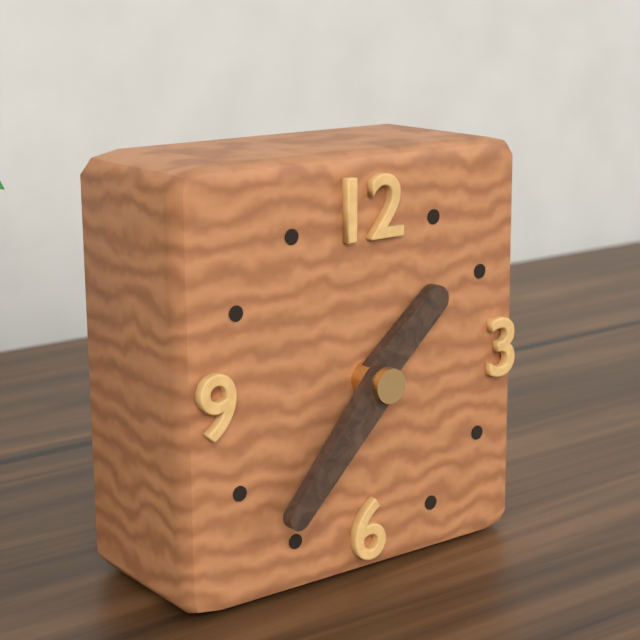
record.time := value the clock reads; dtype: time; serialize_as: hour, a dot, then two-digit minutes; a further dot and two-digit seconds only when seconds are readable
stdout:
1.37
